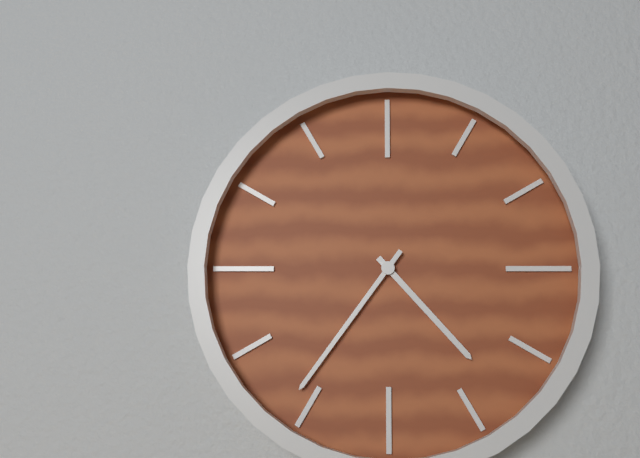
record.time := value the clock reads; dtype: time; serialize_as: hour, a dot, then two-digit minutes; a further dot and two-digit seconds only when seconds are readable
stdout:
4.36
